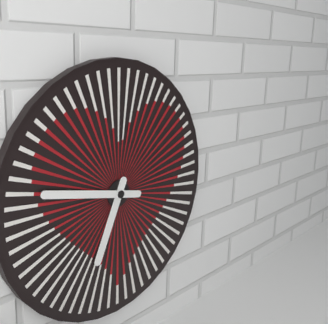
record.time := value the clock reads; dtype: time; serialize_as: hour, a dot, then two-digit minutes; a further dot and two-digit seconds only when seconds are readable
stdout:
6.47
